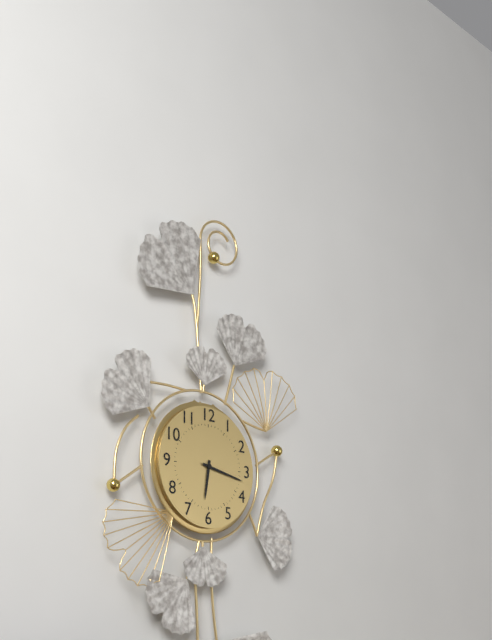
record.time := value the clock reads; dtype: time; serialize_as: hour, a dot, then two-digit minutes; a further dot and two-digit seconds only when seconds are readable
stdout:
6.17
